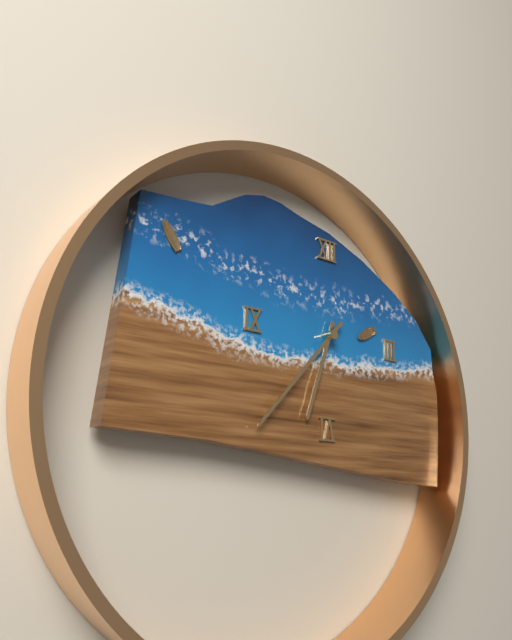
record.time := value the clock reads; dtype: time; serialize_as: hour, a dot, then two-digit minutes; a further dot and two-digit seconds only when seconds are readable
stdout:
6.37
